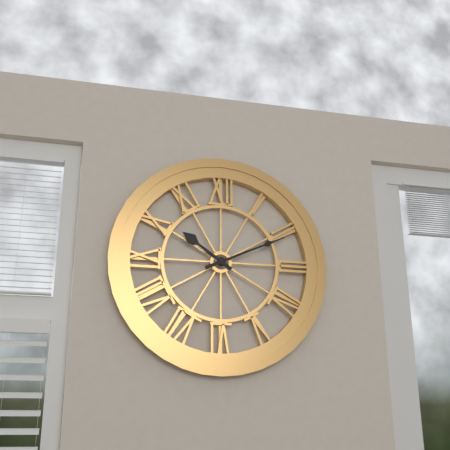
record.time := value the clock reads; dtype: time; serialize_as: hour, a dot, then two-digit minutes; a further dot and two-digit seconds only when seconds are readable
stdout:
10.11
